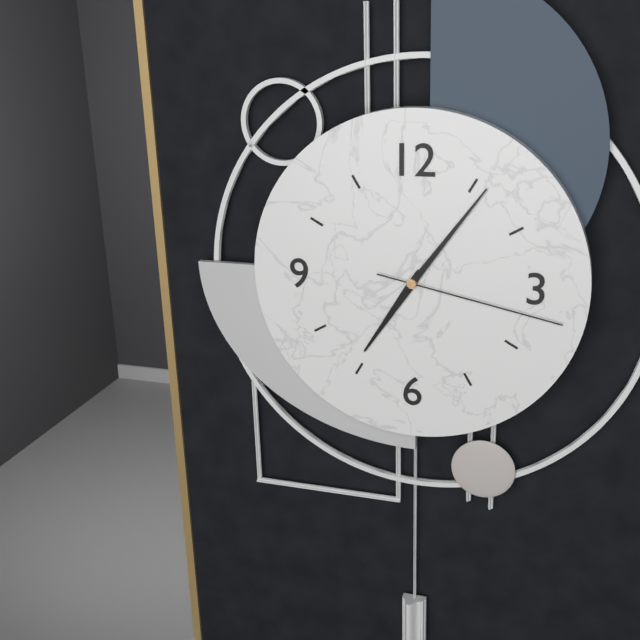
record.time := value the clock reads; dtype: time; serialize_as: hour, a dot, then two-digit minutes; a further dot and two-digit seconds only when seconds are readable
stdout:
7.06.17
